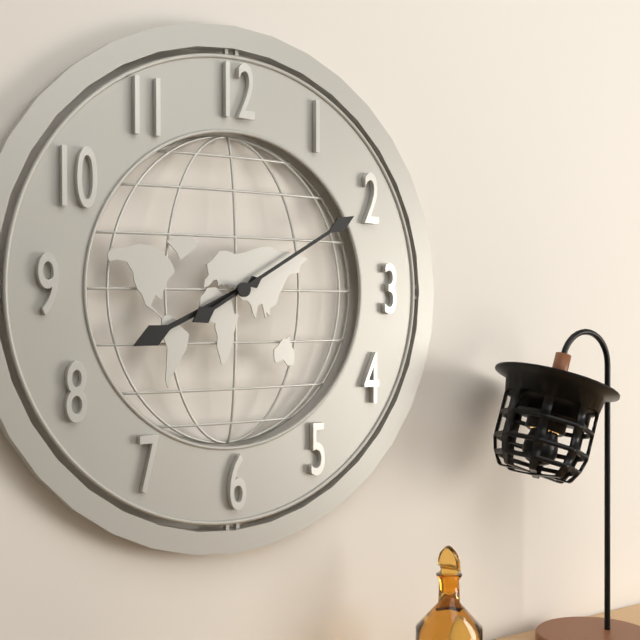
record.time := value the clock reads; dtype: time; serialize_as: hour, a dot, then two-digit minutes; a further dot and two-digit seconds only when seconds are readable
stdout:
8.10
